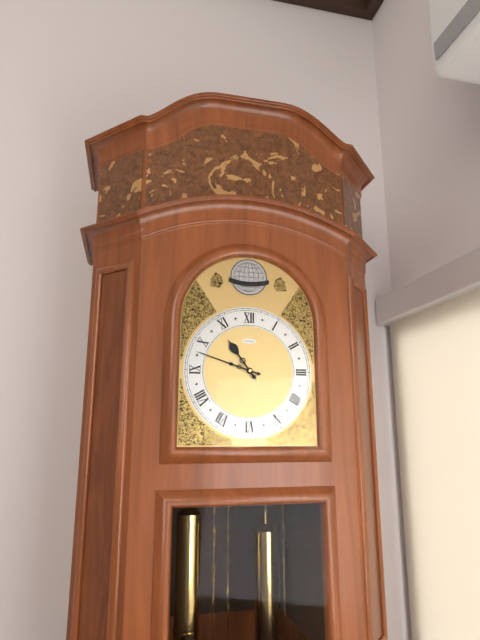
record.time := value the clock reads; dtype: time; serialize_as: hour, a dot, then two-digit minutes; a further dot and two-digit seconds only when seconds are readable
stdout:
10.48
